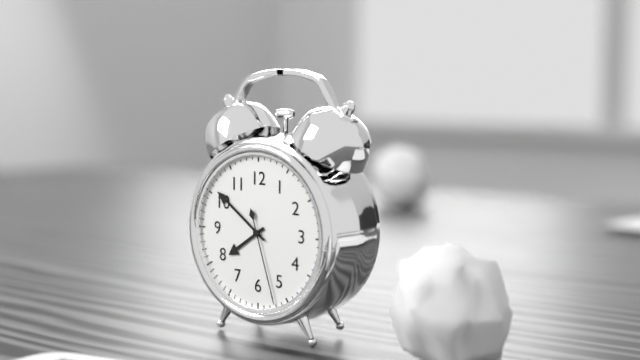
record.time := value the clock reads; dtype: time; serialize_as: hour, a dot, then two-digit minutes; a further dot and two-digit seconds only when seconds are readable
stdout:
7.51.27
